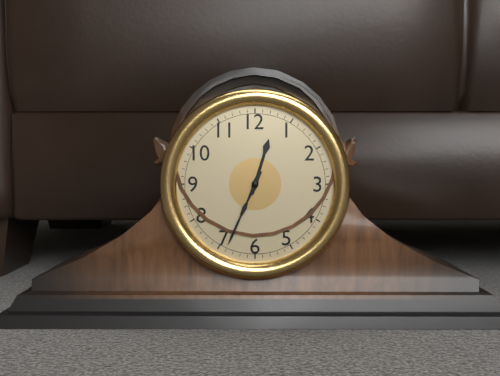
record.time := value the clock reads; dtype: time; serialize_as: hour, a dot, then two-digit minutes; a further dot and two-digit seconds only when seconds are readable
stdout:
12.34
